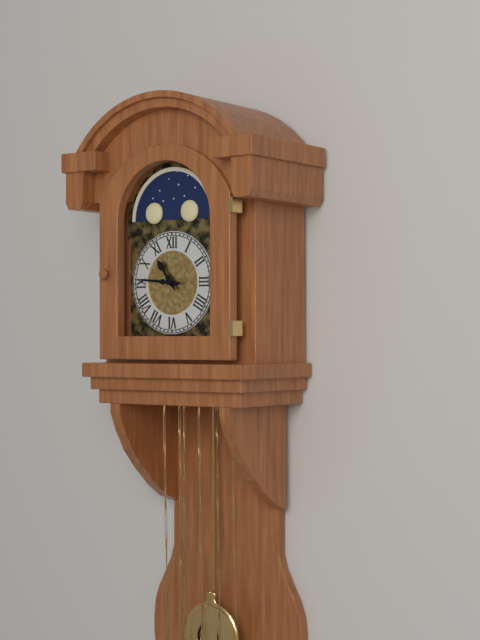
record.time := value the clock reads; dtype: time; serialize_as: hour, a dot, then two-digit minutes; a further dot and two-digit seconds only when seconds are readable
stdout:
10.46
